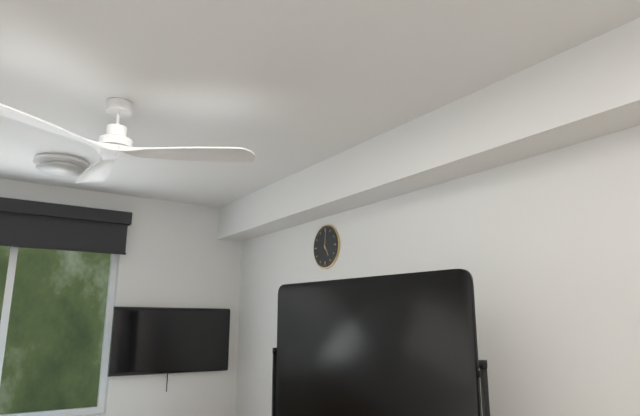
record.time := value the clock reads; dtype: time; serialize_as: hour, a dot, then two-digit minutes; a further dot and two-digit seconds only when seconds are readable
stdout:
5.01
